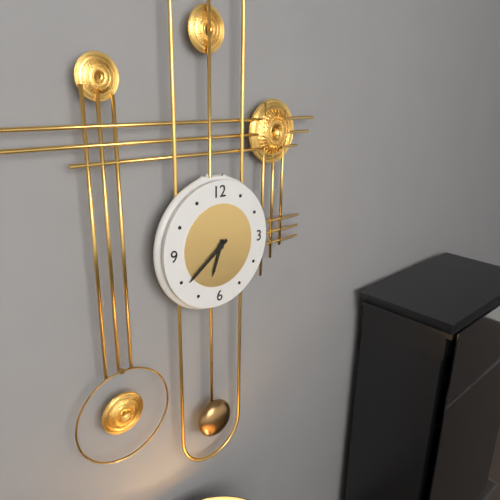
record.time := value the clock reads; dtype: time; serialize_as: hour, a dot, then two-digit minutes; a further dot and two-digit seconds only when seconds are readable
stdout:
6.39
